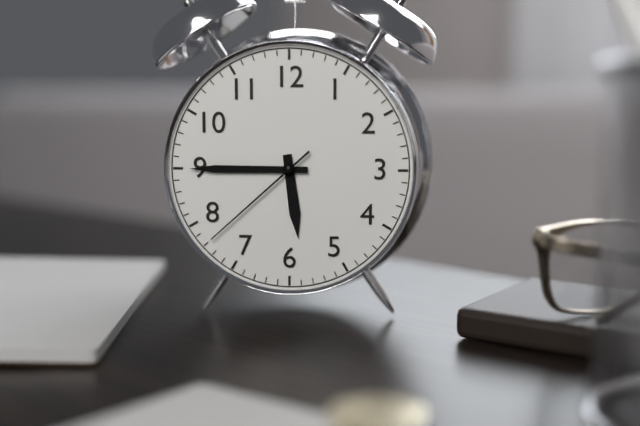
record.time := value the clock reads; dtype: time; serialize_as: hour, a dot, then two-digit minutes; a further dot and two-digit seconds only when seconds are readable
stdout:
5.45.38
